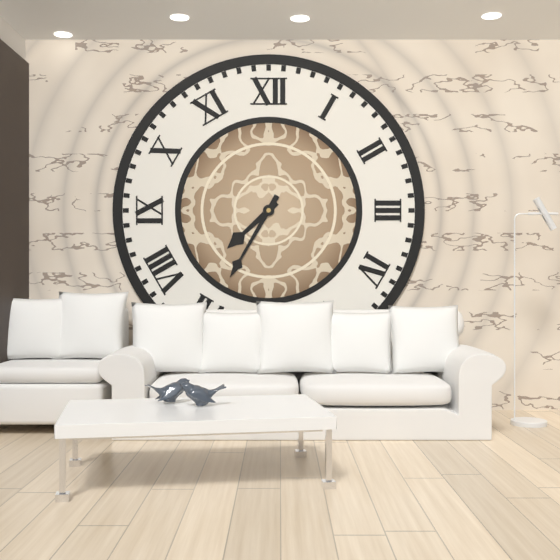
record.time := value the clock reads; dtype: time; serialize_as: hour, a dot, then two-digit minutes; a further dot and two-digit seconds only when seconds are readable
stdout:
7.35
